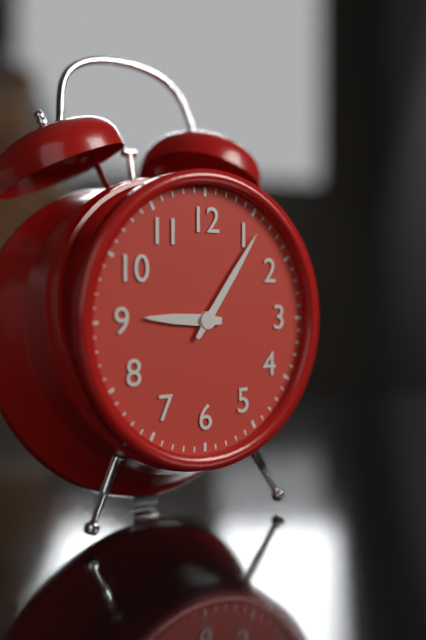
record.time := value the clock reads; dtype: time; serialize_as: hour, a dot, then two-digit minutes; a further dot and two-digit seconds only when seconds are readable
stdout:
9.06
